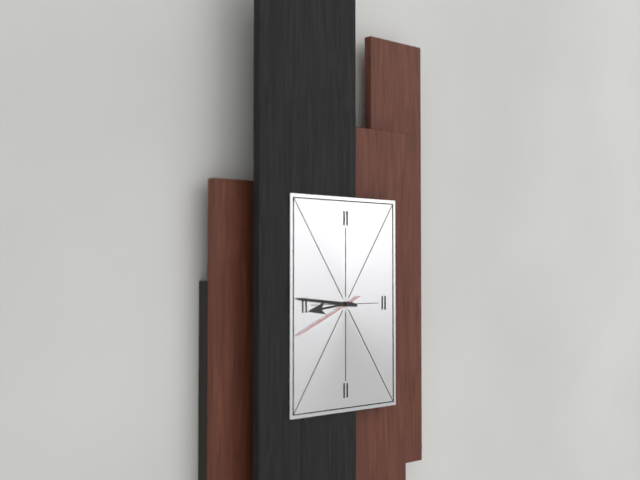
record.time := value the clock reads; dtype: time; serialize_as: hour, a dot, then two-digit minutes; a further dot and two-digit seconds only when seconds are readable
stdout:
8.46
